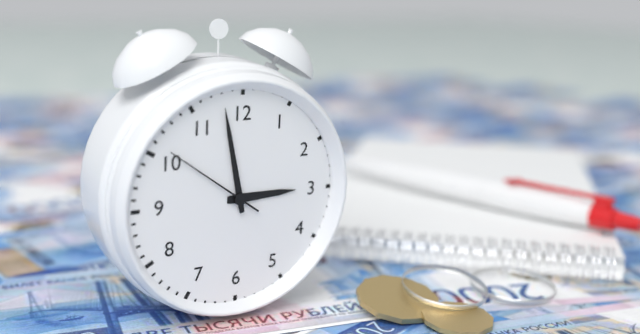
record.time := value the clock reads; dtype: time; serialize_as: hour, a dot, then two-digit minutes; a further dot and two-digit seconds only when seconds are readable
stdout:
2.58.51
